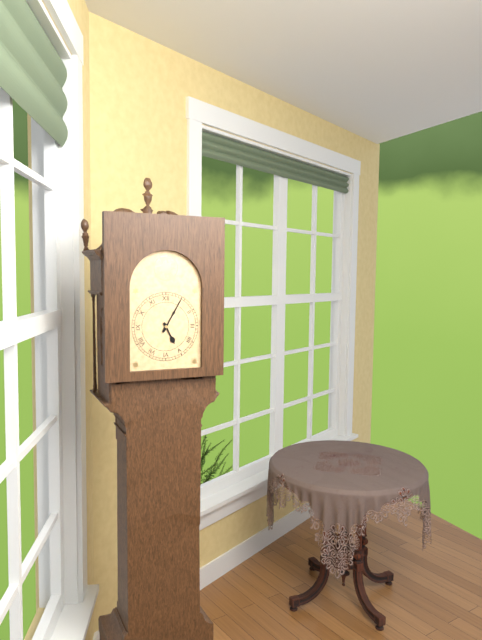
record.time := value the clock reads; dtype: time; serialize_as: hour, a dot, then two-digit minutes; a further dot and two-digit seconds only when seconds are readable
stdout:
5.05
